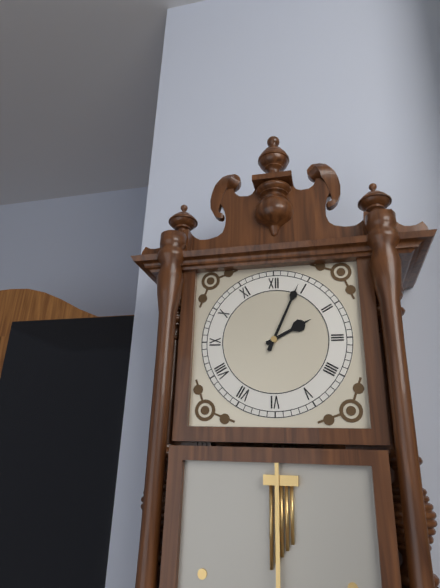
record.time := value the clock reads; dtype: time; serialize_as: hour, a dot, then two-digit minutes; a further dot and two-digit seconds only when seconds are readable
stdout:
2.04
